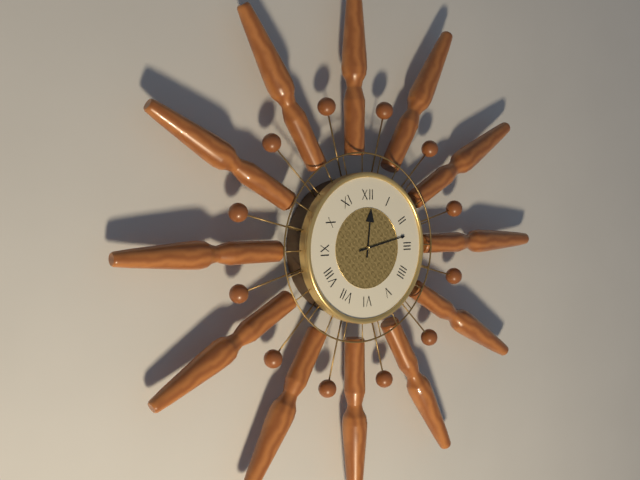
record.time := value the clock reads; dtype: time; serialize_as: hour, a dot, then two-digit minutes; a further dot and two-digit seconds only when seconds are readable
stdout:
12.13
